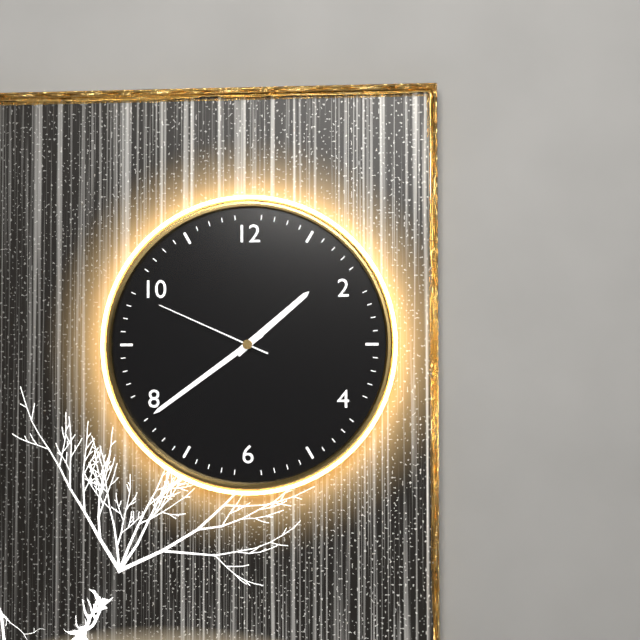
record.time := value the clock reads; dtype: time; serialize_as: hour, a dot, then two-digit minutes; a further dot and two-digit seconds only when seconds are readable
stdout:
1.39.49
